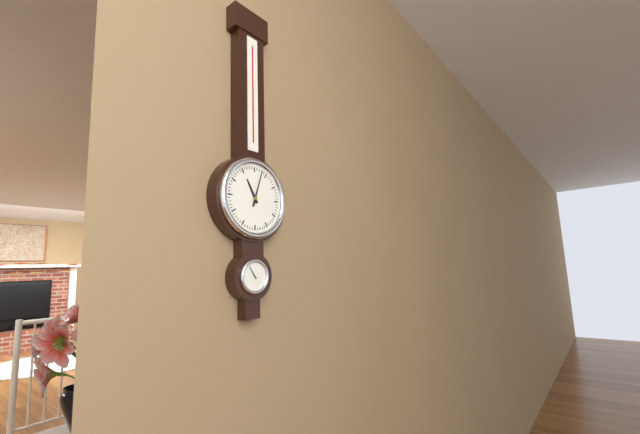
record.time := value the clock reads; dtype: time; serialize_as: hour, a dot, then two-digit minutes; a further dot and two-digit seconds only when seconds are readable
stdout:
11.03
